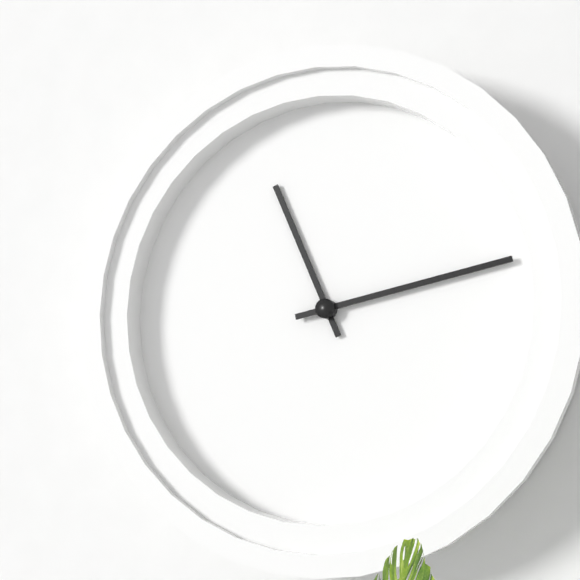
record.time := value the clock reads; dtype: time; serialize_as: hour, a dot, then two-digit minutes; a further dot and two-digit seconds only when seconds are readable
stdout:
11.13
